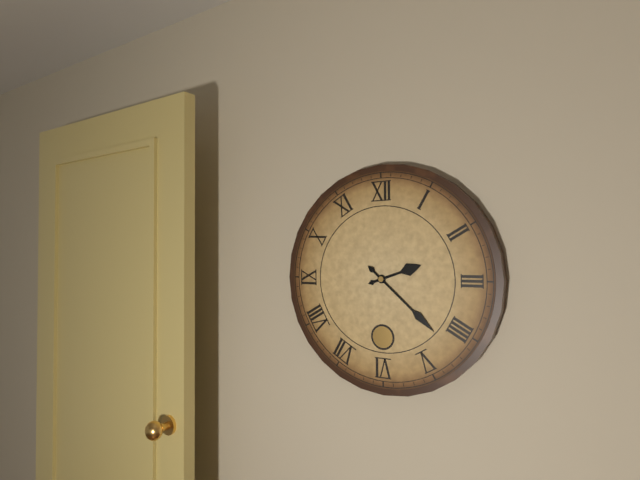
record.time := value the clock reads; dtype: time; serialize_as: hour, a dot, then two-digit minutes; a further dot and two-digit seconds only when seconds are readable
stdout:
2.22
